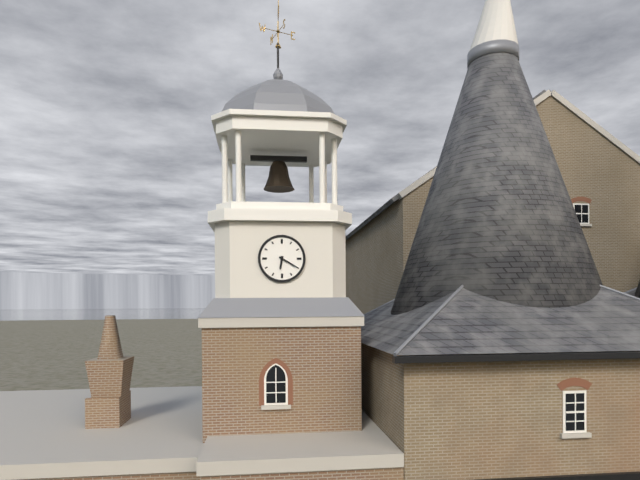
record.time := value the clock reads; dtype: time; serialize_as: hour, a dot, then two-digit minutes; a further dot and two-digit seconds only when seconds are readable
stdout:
6.20
